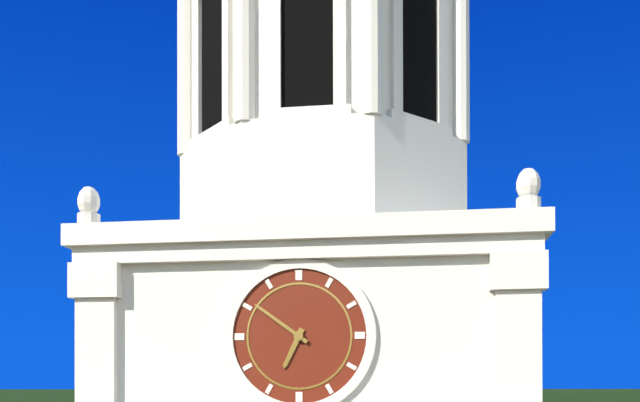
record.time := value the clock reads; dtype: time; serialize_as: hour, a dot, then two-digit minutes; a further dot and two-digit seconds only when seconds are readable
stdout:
6.51
